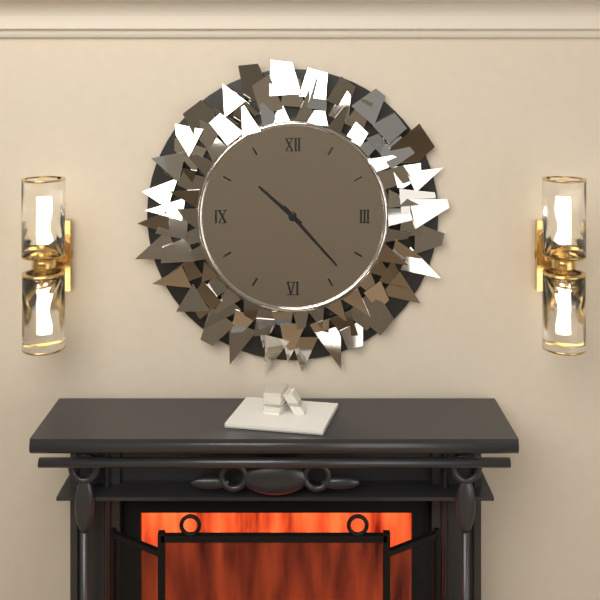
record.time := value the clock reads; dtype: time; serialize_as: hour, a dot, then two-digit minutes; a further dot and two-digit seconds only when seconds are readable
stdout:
10.23
